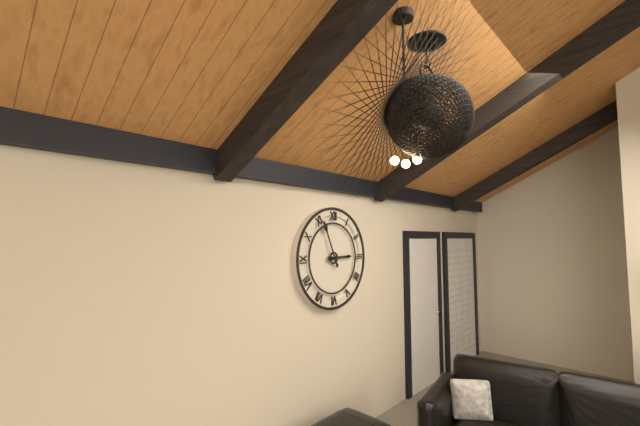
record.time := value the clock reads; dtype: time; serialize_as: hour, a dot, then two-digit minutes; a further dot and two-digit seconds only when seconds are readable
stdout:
2.56
